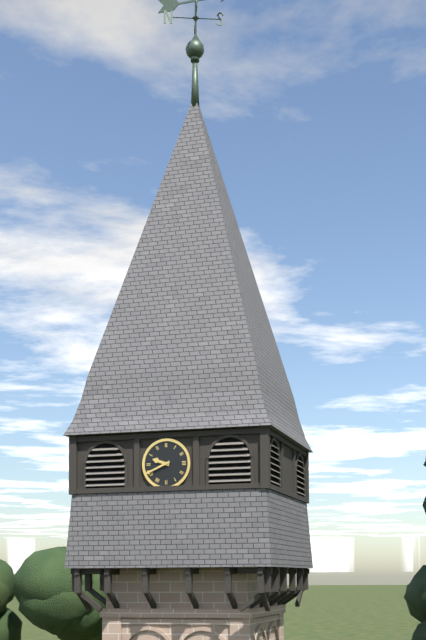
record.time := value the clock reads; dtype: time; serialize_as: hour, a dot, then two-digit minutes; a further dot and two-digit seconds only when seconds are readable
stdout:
9.41
